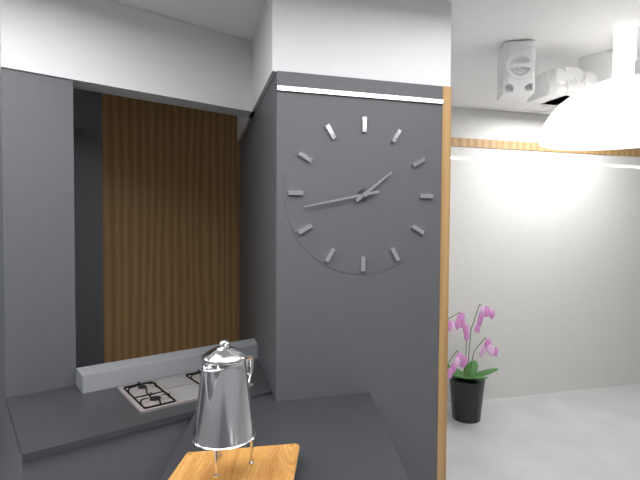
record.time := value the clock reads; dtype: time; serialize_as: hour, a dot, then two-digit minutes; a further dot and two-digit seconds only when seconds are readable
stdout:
1.43
